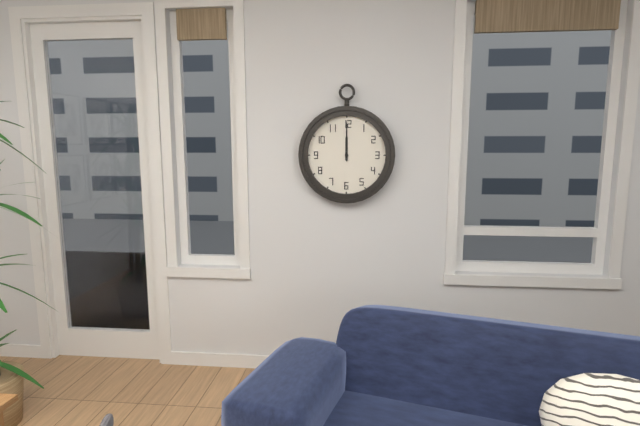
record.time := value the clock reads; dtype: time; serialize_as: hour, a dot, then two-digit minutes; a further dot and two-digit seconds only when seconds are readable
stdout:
12.00
